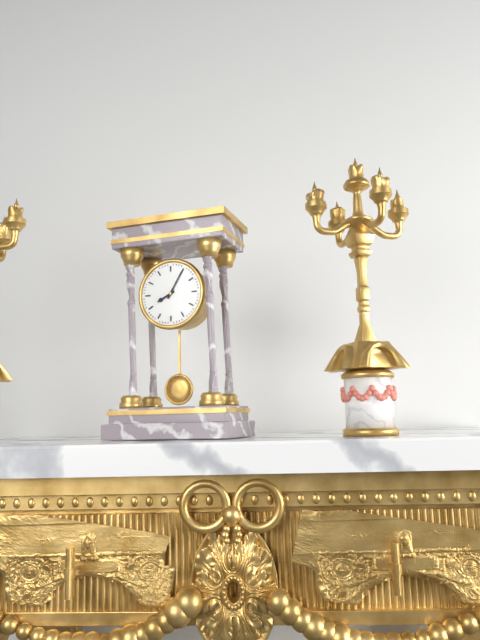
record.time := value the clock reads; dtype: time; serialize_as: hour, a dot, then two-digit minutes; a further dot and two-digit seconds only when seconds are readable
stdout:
8.05
